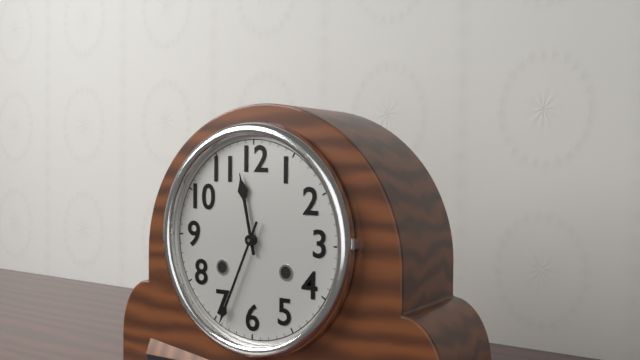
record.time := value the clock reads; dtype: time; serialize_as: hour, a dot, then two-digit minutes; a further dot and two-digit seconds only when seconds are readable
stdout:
11.34
